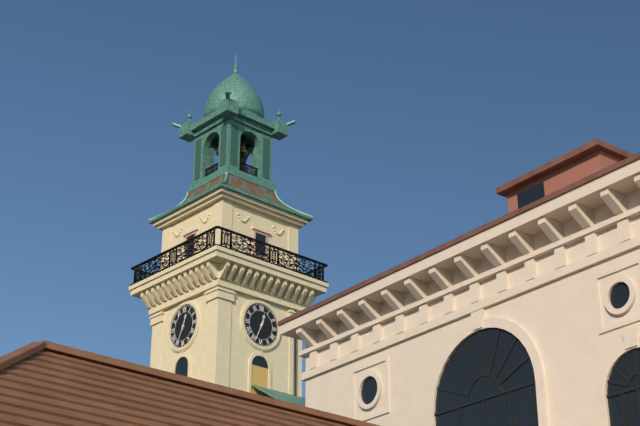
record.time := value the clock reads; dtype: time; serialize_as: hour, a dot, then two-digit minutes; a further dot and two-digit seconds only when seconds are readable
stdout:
12.34
